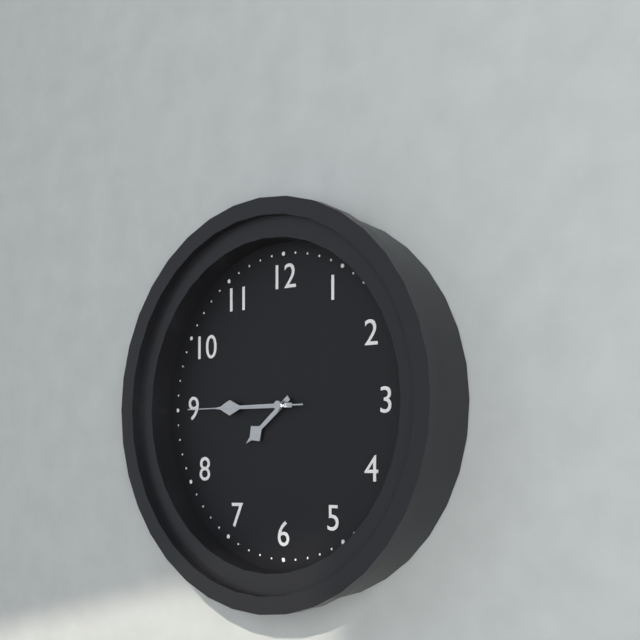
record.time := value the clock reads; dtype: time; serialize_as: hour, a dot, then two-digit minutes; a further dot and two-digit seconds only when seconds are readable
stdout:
7.45.45
